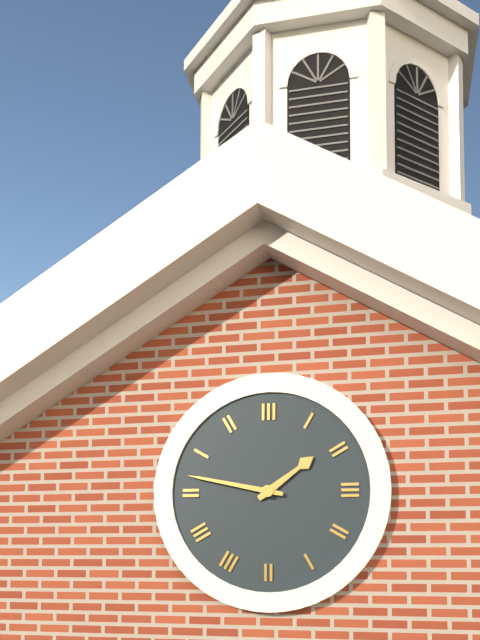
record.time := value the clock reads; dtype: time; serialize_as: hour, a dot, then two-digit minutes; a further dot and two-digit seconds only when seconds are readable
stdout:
1.47
